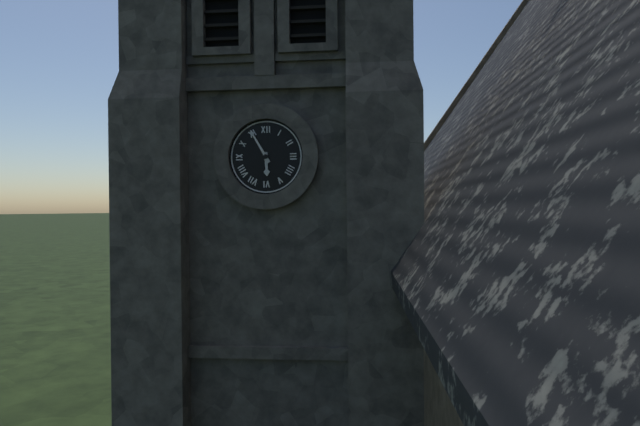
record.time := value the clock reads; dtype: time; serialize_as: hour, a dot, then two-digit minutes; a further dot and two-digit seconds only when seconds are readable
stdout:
5.55
